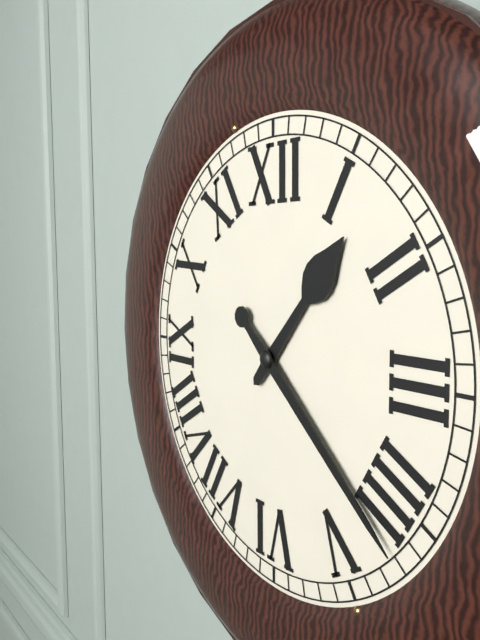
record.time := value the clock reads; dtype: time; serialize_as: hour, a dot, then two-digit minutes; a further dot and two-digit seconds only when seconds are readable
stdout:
1.22
